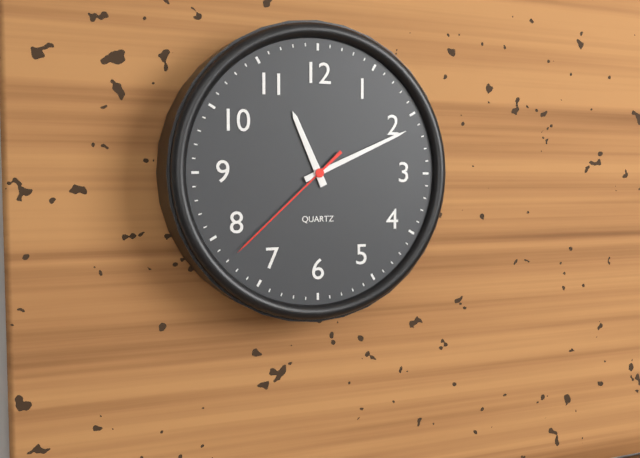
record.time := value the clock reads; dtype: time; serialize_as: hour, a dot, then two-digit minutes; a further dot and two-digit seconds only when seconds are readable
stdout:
11.11.38
